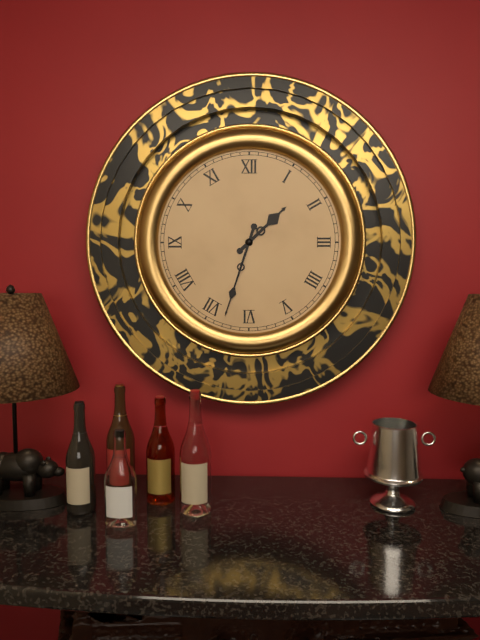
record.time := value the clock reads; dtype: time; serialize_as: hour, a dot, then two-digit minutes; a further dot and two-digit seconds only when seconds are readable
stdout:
1.33
